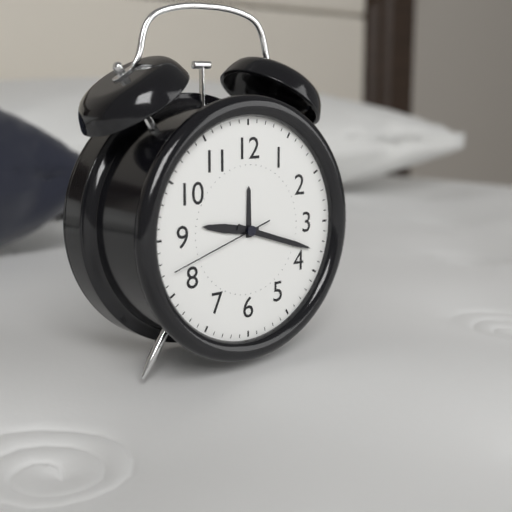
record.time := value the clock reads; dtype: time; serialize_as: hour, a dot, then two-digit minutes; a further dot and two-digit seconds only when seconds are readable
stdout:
9.18.42
